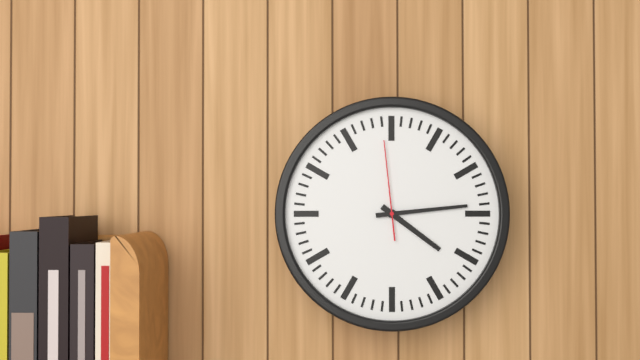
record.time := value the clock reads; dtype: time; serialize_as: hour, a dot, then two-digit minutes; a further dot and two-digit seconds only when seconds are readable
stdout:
4.14.59
